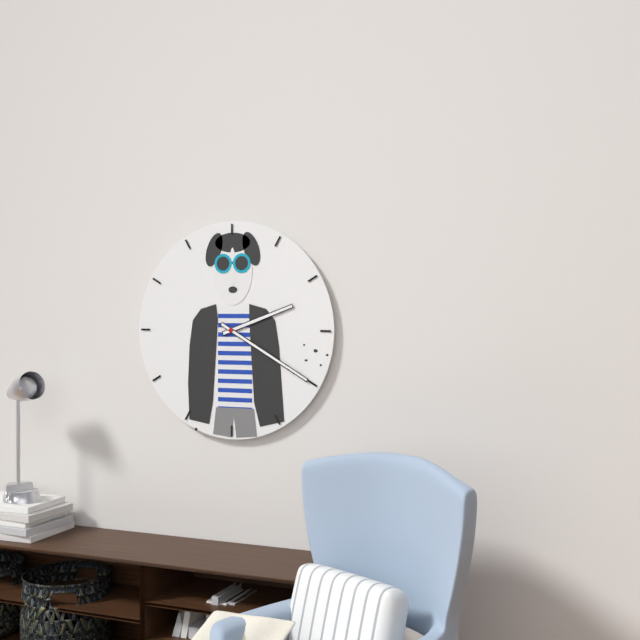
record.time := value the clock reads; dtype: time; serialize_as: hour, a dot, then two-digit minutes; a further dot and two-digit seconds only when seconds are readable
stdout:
2.20
